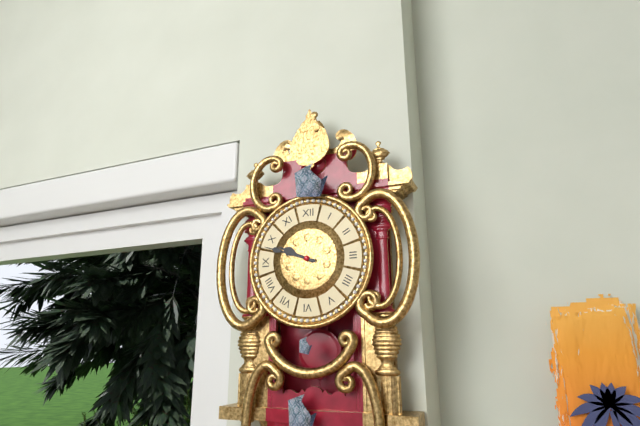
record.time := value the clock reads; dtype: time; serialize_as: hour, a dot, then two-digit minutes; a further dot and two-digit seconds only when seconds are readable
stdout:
9.48
